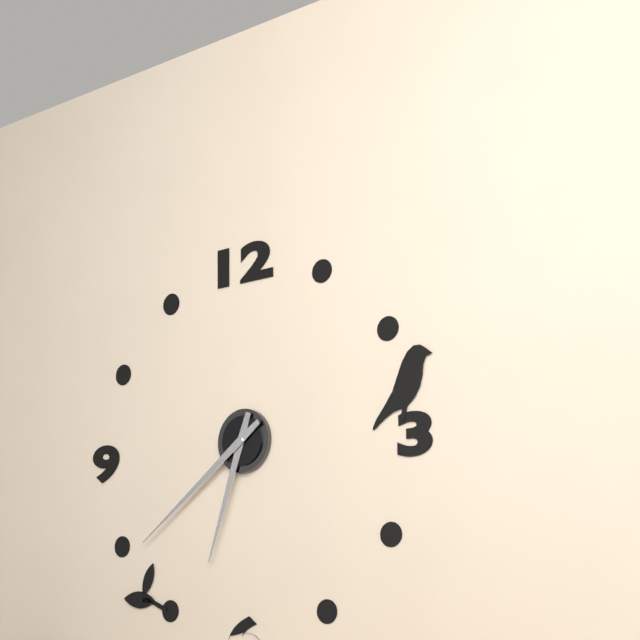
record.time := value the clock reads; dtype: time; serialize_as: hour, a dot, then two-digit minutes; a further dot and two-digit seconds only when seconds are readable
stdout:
6.39
